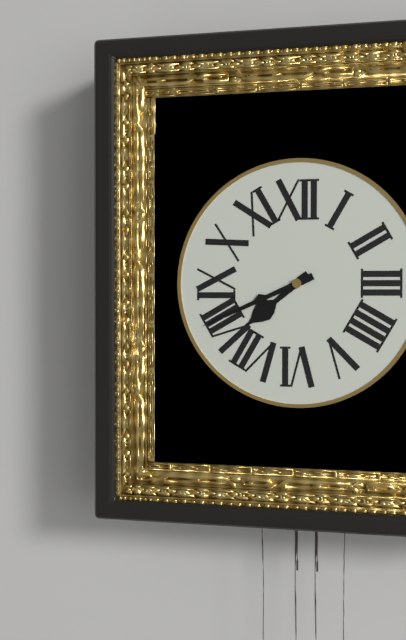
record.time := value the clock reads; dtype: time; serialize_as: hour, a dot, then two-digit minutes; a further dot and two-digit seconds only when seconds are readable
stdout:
7.41
